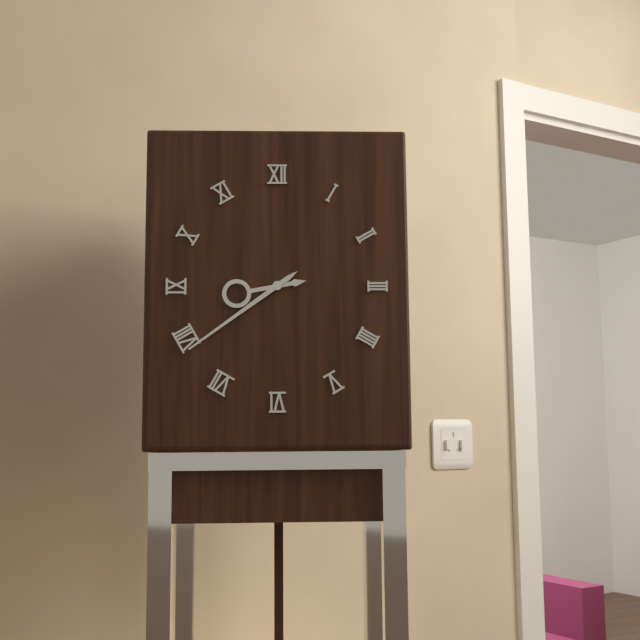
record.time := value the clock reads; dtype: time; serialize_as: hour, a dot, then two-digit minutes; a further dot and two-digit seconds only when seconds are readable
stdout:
8.39
